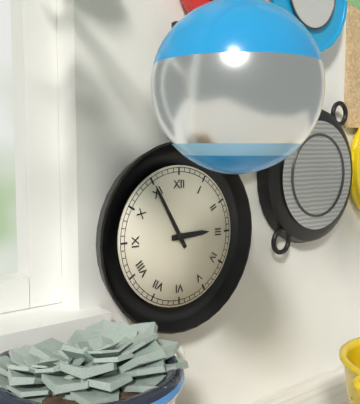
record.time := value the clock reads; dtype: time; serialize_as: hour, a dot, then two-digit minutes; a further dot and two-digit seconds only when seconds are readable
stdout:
2.55
